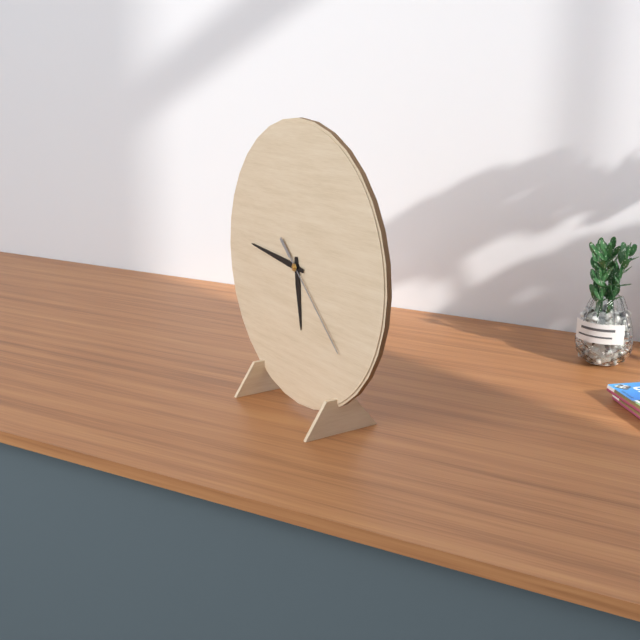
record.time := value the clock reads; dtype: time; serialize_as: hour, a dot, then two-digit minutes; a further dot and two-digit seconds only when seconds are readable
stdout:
5.46.22
